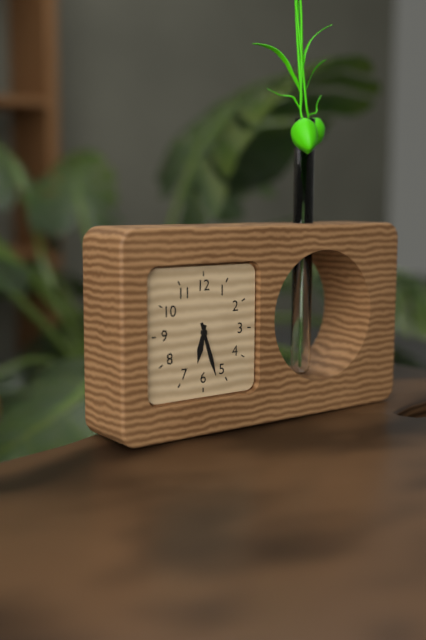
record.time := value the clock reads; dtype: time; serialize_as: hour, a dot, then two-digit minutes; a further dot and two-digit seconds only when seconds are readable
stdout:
6.27
